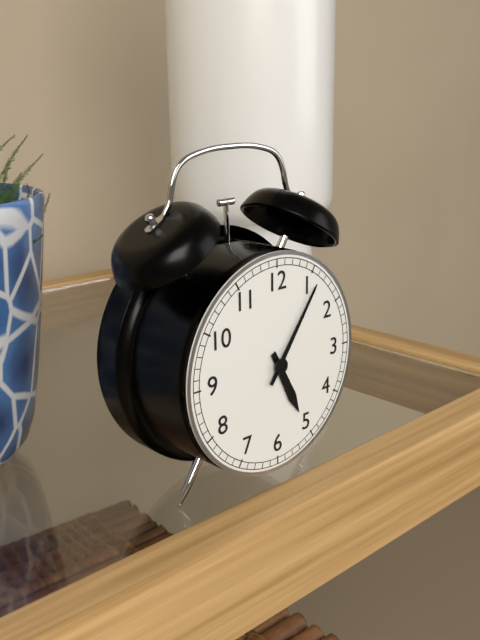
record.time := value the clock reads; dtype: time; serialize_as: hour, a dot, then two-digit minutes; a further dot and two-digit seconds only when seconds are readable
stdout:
5.06
